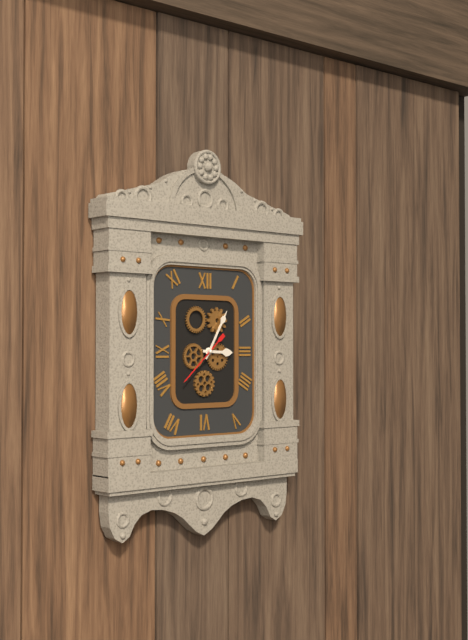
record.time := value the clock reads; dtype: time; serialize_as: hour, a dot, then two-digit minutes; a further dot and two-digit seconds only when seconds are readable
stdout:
3.05
